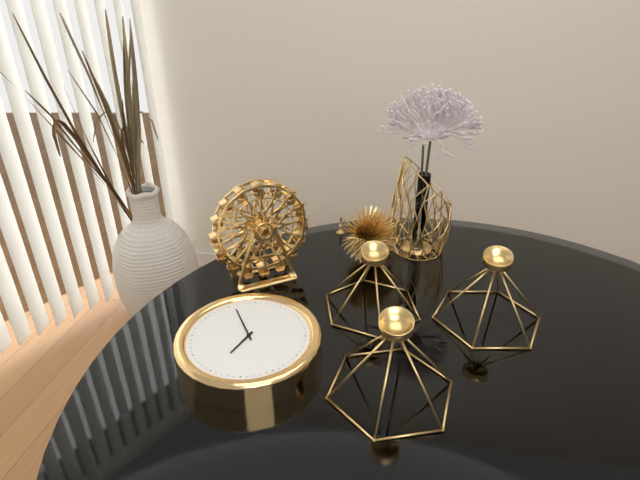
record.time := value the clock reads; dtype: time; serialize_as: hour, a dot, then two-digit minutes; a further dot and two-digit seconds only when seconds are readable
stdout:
6.56
